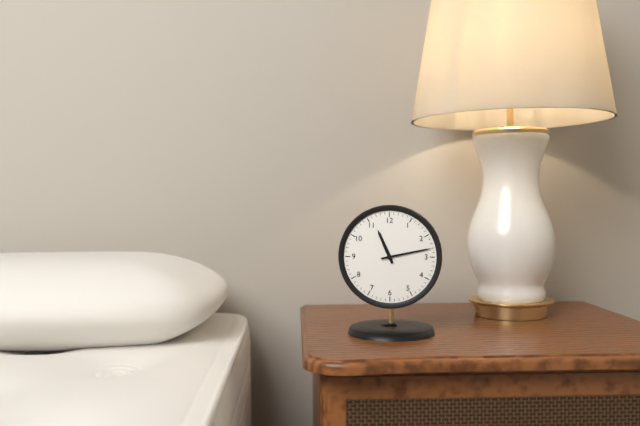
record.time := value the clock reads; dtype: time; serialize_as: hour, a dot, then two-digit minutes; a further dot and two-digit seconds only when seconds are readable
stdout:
11.13
